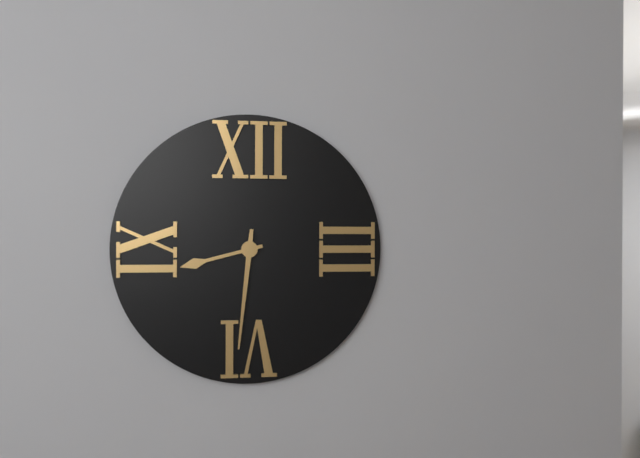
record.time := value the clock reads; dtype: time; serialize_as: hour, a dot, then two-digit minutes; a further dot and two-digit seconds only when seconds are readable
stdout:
8.31
